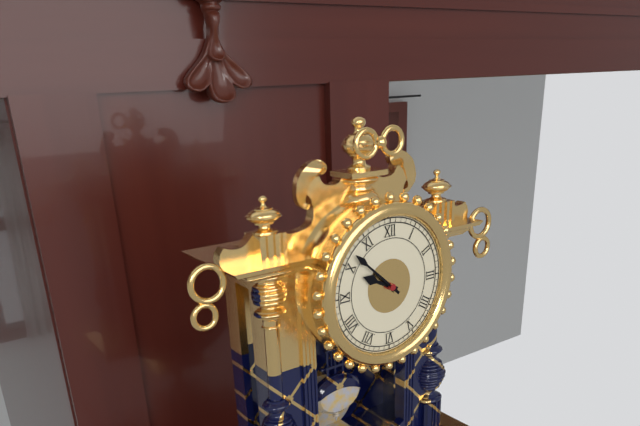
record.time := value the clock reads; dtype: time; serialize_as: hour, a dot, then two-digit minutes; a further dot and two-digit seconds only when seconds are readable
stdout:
9.52
